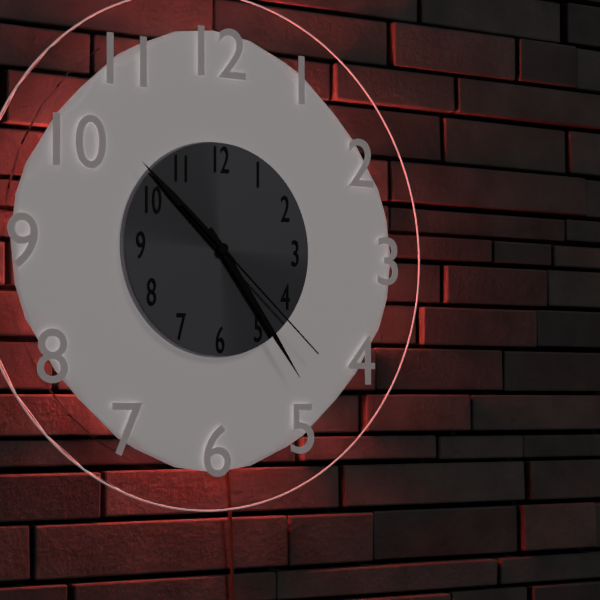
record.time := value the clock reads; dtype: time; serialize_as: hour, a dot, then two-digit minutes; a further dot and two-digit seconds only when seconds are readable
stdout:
10.24.22
